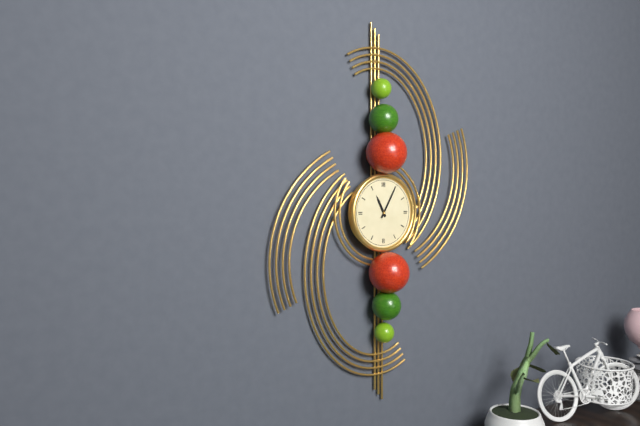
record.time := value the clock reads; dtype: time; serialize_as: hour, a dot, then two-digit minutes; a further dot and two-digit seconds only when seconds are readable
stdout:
11.05
